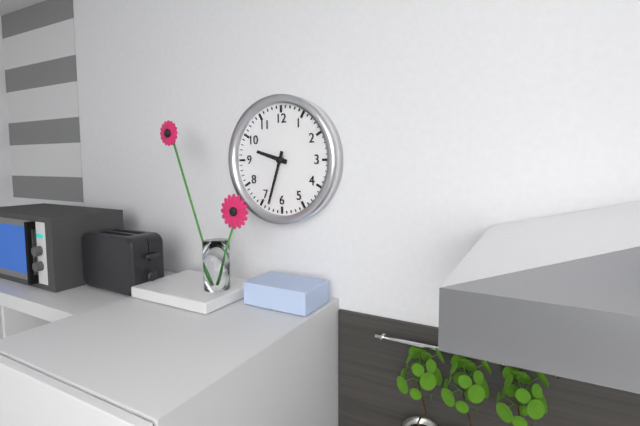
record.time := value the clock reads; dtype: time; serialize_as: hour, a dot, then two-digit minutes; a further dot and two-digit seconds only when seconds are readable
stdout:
9.33
